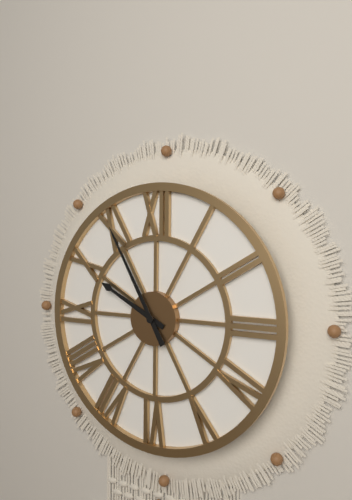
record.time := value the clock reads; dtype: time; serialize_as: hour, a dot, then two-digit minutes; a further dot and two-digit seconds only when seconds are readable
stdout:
9.55
